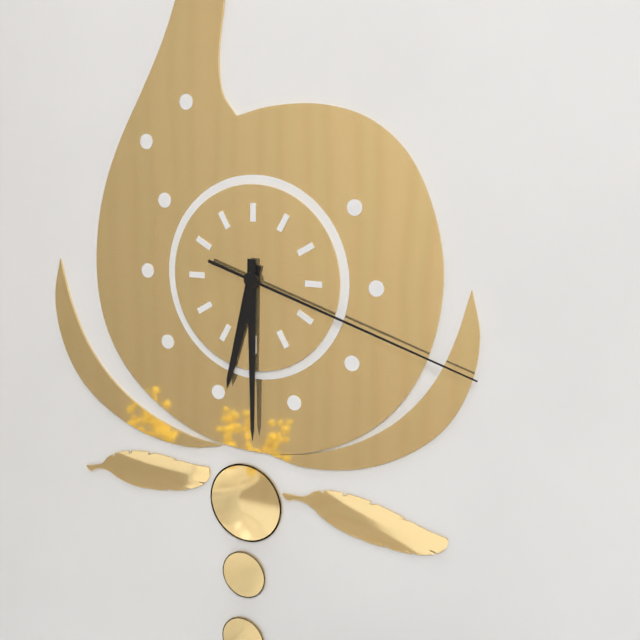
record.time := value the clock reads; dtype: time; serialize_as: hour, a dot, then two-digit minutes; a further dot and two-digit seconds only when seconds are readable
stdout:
6.30.18
